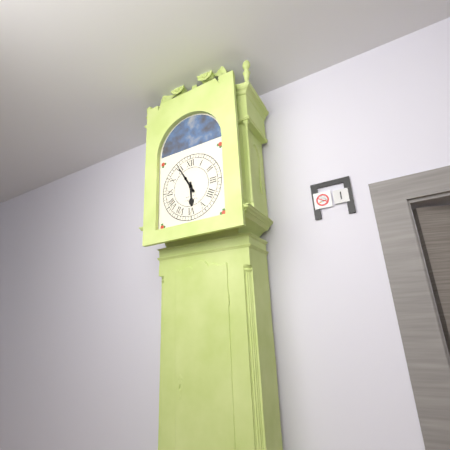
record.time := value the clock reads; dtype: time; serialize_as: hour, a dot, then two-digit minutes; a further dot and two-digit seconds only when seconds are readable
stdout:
5.55
